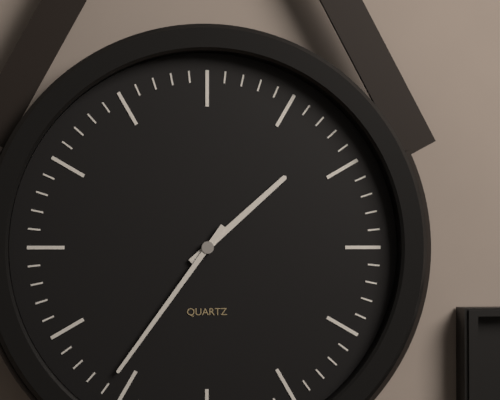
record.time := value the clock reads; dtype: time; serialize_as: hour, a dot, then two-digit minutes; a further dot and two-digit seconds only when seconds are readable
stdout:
1.36
